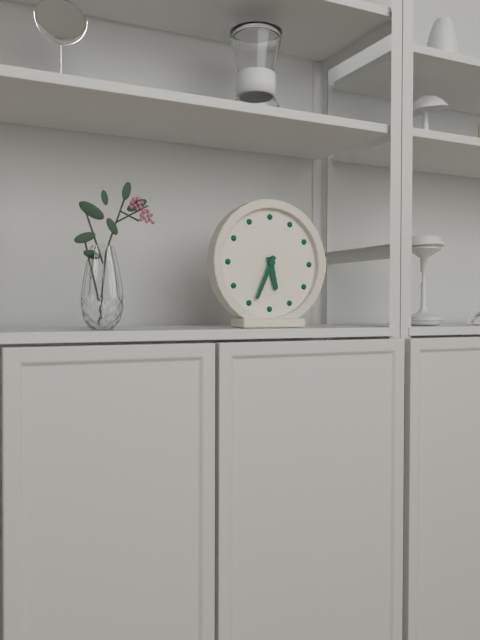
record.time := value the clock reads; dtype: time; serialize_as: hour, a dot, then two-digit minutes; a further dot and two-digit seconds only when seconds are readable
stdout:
5.34
